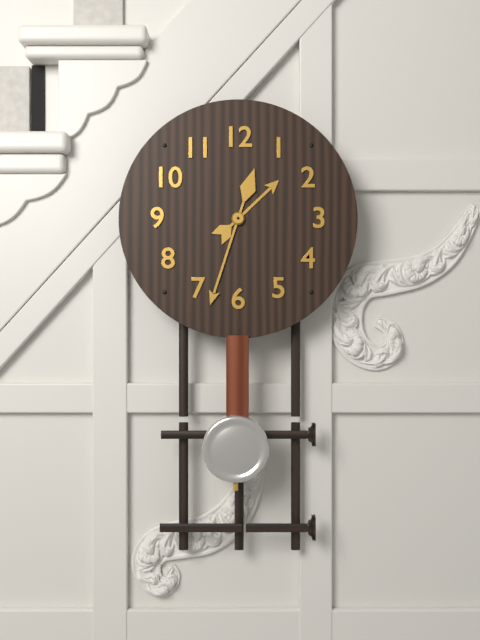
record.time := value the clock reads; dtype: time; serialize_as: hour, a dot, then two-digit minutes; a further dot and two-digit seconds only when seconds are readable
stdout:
1.33
